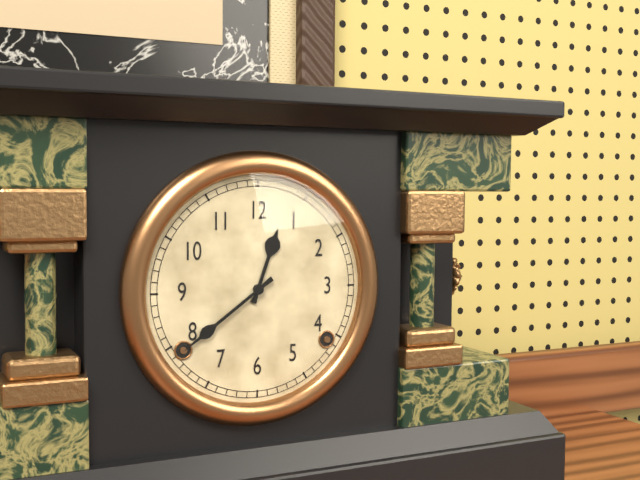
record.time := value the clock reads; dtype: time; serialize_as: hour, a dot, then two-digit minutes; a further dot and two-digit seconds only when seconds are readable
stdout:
12.39
